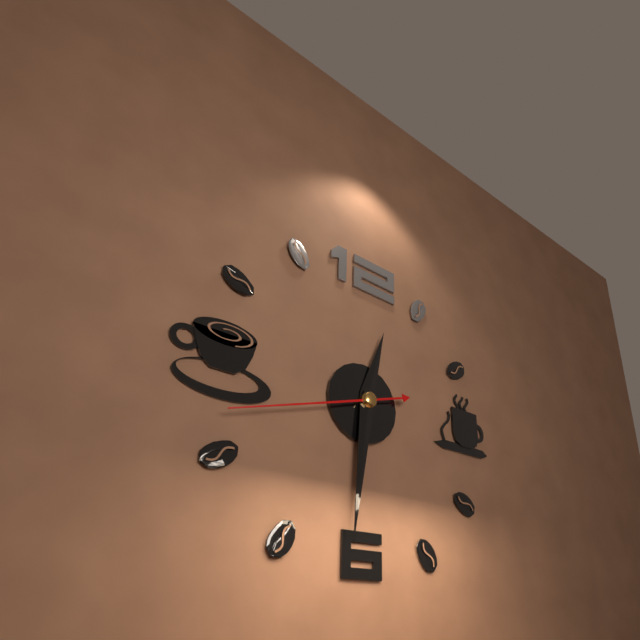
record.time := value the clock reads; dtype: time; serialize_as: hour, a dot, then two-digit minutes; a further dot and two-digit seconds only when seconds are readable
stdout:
12.31.42
